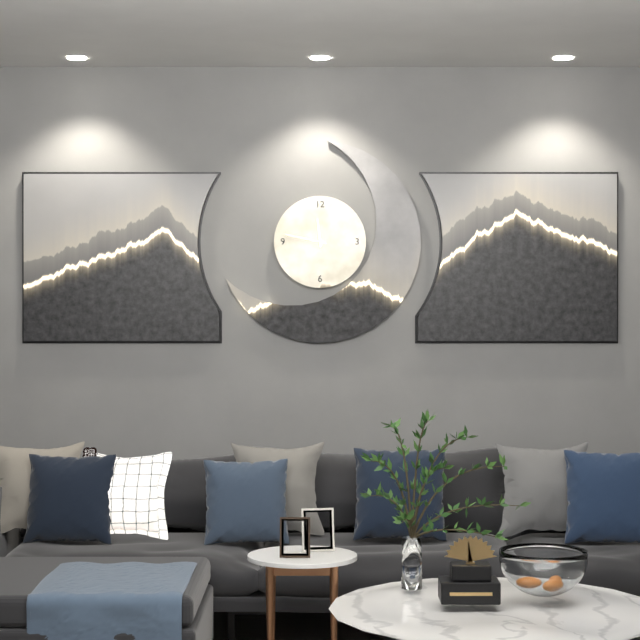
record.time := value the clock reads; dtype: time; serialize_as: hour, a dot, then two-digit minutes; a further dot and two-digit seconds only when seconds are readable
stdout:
11.47
